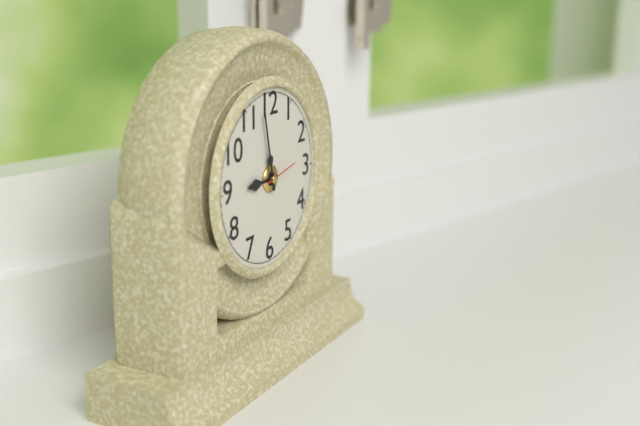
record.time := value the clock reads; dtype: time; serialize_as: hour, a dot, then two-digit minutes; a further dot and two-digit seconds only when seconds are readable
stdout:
8.58
